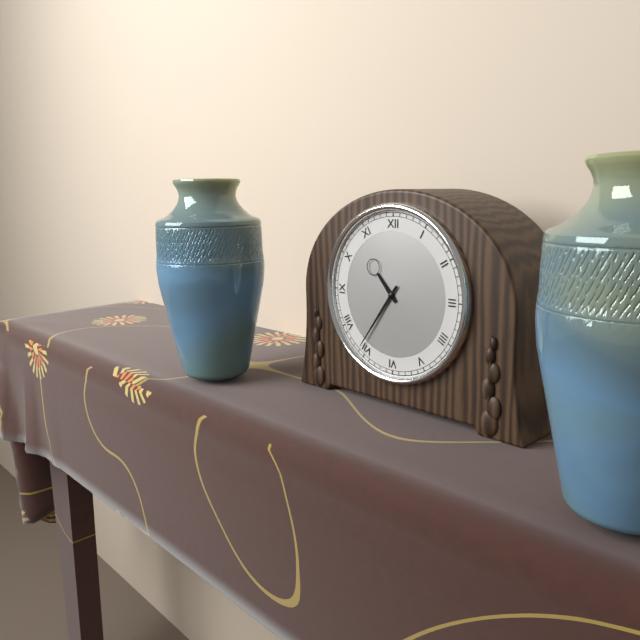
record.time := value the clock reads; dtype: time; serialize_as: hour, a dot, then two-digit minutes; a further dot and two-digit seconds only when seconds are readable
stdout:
10.36
